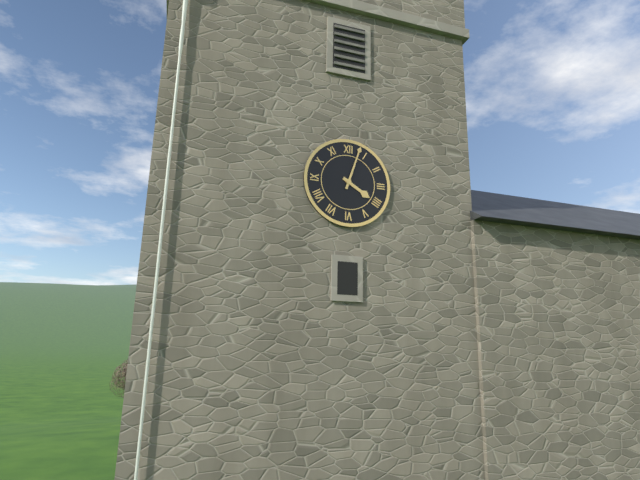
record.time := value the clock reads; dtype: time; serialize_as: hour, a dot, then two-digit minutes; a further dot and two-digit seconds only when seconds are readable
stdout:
4.03
